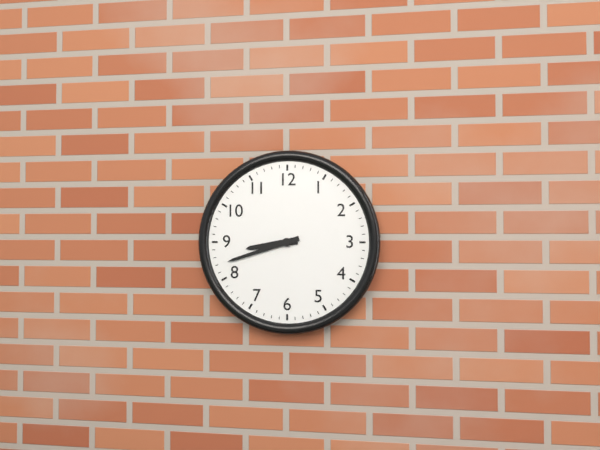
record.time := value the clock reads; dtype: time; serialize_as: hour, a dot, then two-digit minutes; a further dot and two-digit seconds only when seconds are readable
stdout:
8.42
